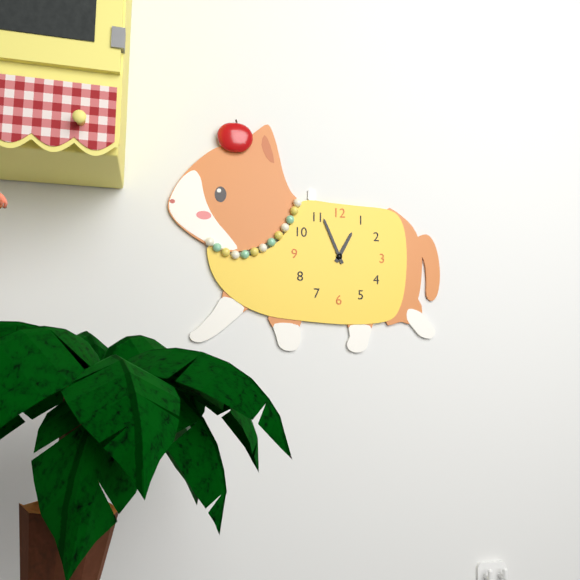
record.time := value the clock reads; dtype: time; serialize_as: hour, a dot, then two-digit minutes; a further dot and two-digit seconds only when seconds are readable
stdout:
12.56
